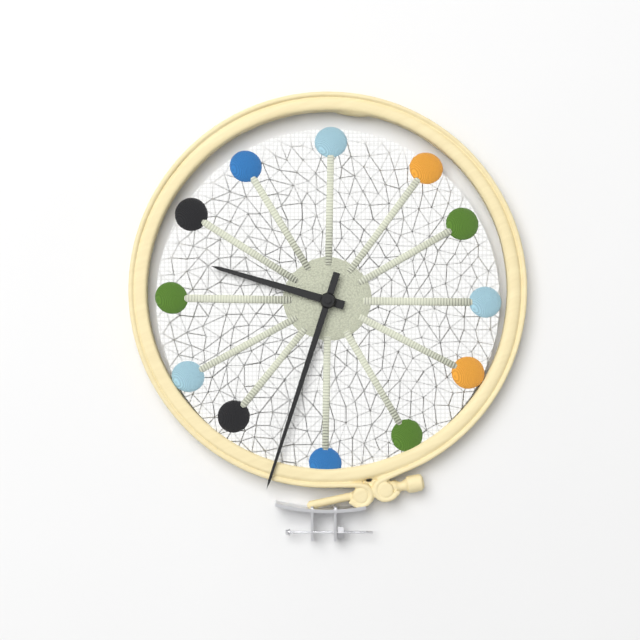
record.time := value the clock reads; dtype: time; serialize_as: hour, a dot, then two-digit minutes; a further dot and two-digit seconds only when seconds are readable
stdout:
9.33
